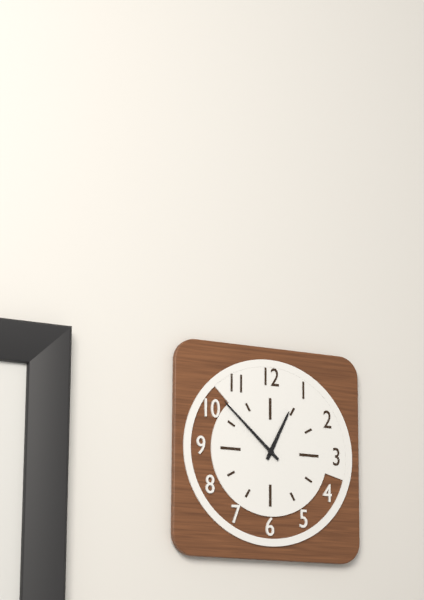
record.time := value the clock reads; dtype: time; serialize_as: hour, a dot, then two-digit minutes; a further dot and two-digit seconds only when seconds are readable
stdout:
12.52
